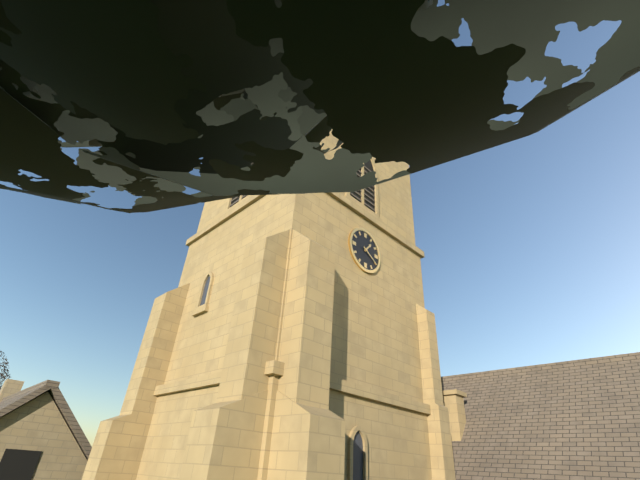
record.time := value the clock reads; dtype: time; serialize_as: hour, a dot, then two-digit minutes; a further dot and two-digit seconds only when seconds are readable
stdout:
1.20
